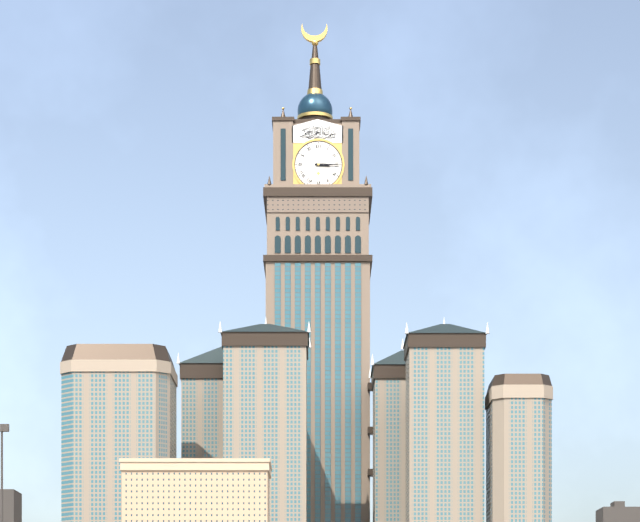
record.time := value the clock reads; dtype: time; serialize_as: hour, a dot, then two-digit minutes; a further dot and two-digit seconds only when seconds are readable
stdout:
3.15
